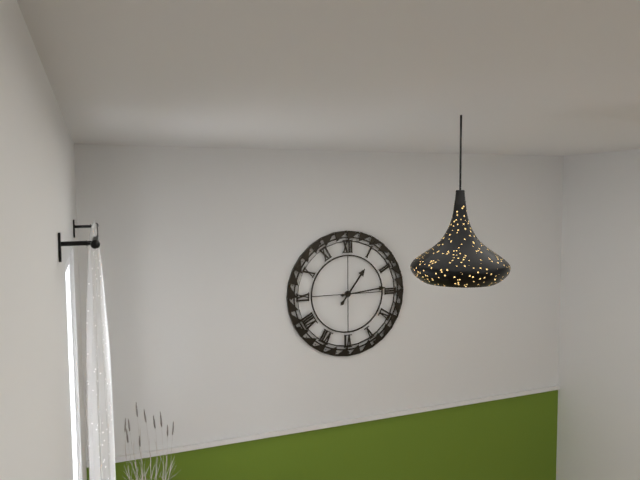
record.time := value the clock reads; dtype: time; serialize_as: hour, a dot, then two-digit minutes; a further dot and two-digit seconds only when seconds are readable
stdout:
1.14
